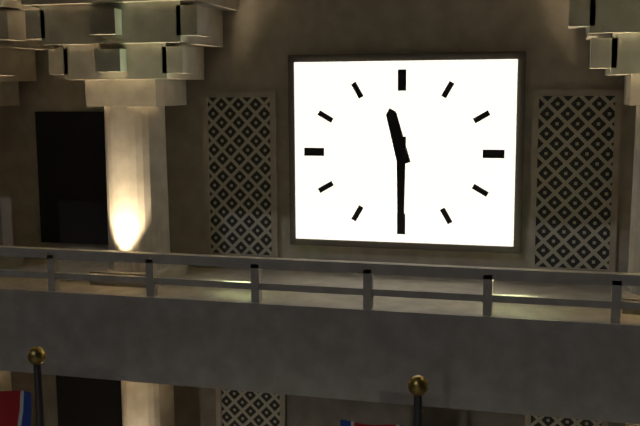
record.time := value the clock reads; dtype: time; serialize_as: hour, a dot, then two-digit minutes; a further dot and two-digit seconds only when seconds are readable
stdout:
11.30
